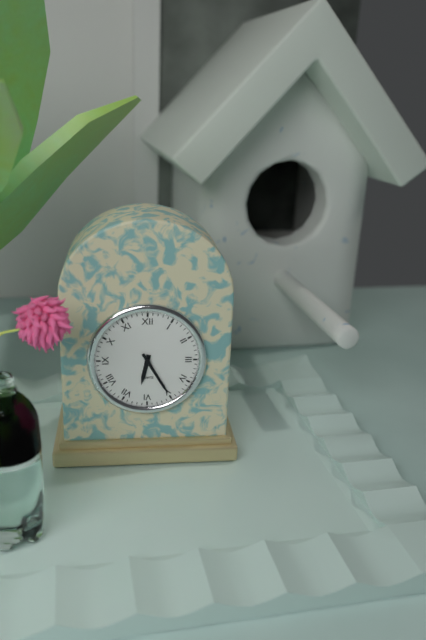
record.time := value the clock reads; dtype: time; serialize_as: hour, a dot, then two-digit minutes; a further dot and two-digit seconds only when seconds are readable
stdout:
6.25
